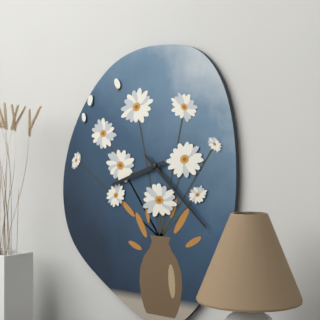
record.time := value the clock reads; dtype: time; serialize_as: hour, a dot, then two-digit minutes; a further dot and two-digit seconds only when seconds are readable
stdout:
8.22
